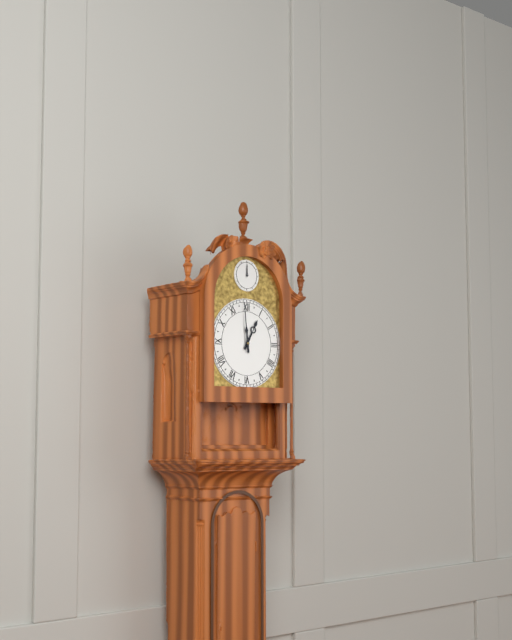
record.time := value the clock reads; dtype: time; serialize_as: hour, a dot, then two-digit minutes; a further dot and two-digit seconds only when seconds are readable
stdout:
12.59
